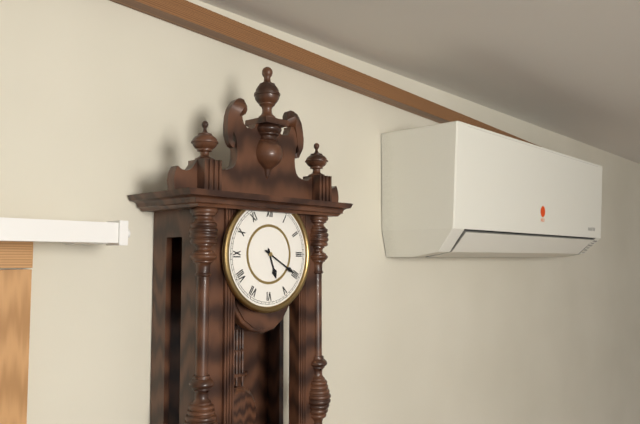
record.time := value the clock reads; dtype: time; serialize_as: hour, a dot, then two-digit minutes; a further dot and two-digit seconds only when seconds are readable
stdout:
5.20
